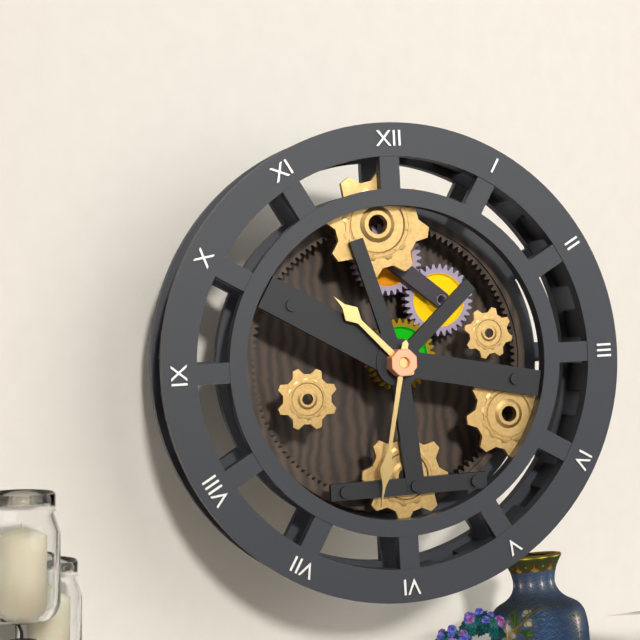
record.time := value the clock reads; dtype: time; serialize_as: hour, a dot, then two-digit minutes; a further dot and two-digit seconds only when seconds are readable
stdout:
10.32
